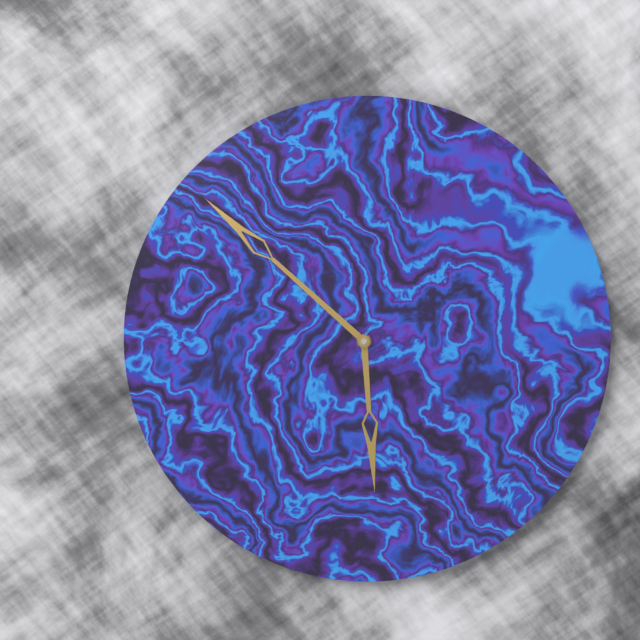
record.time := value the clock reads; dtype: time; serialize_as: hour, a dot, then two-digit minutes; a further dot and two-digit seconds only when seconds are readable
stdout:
5.52
